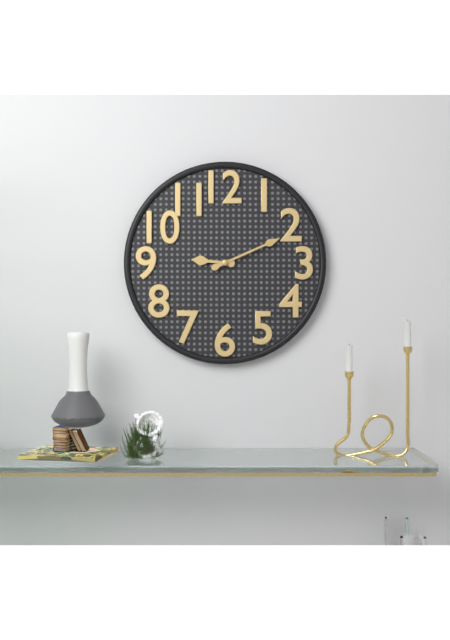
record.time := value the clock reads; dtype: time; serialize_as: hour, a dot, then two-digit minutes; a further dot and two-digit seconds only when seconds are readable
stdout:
9.11
